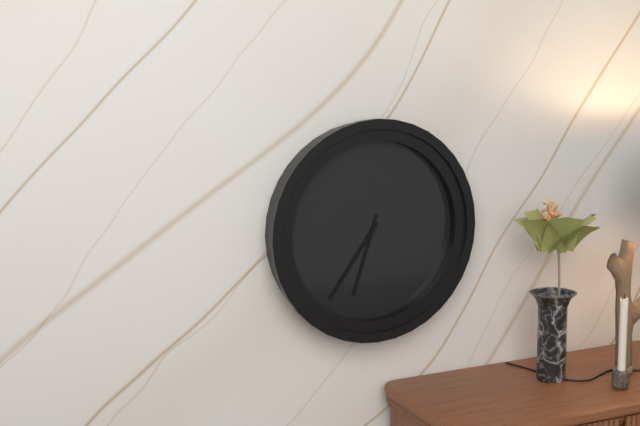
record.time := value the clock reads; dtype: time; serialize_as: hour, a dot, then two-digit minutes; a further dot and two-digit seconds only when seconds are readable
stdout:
6.36
